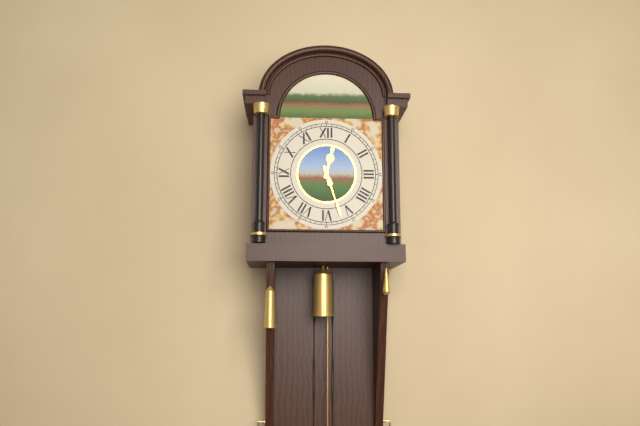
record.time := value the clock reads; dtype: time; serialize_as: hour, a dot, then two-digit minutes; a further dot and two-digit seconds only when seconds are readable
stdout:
12.27
